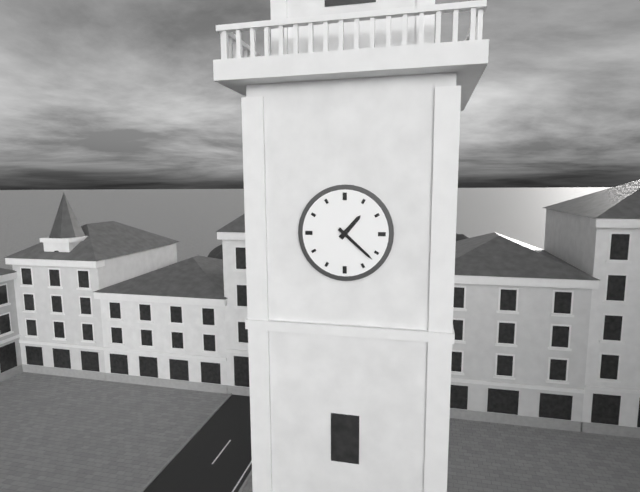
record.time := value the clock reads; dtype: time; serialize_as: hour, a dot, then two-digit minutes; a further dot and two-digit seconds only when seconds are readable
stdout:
1.22
